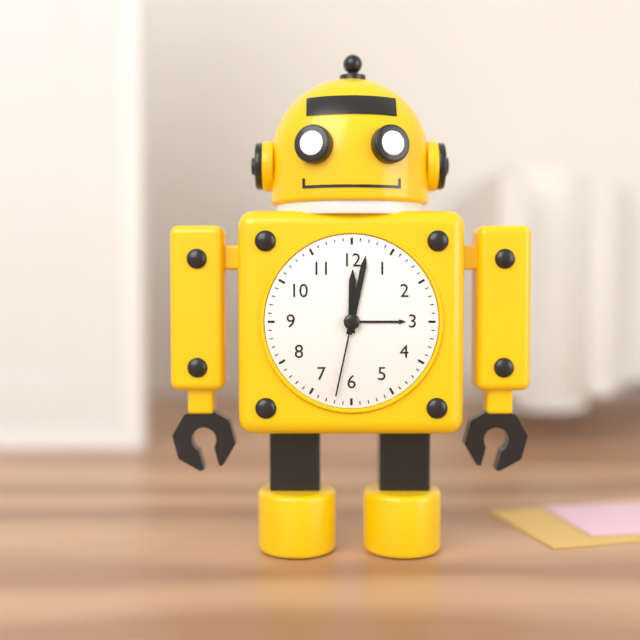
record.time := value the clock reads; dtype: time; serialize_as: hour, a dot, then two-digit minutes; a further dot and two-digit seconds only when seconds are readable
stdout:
12.02.32
